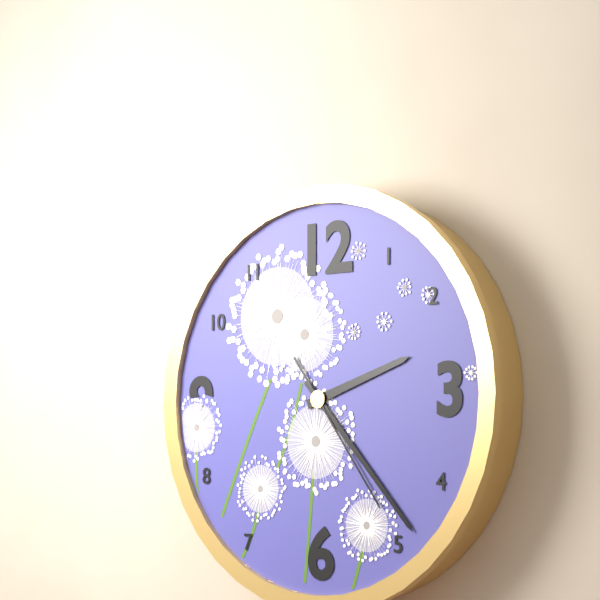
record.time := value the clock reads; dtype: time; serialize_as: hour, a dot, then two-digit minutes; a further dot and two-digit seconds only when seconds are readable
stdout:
2.23.24
